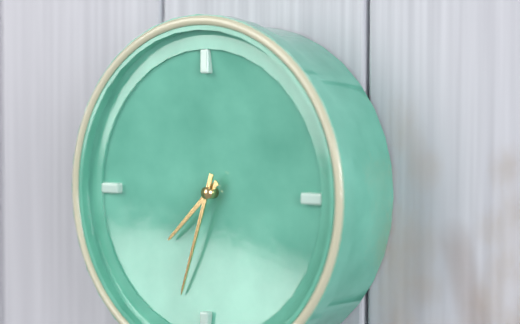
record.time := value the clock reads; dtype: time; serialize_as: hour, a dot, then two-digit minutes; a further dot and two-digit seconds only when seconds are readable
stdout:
7.33
